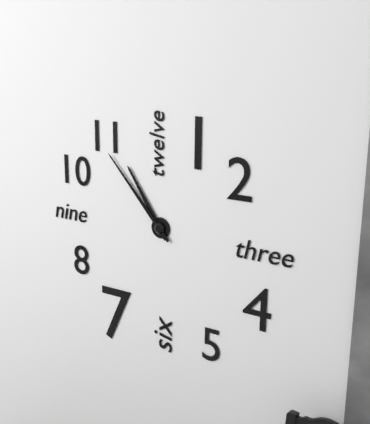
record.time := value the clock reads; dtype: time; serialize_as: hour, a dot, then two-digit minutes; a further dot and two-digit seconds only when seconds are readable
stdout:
10.53
